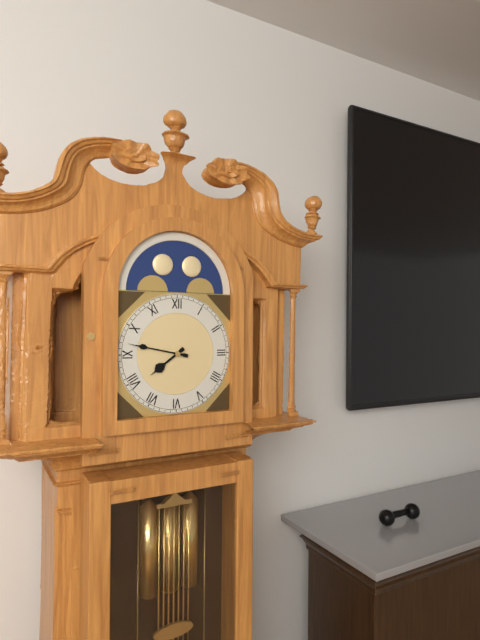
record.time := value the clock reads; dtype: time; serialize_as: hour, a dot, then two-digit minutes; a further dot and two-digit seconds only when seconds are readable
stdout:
7.47
